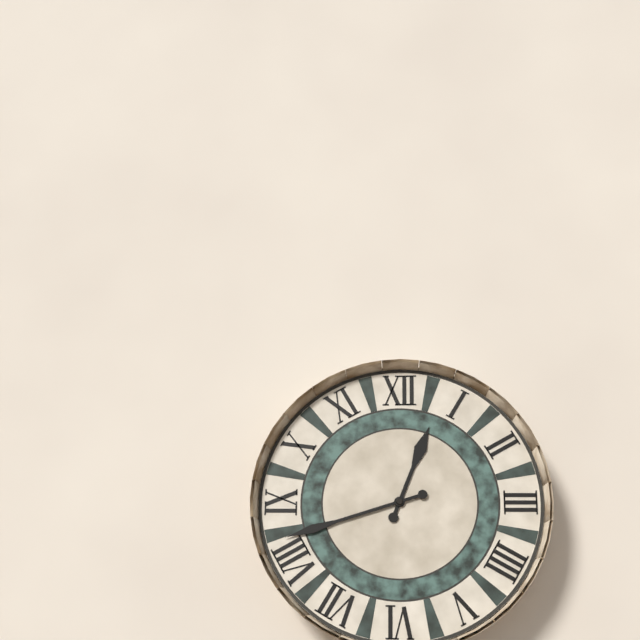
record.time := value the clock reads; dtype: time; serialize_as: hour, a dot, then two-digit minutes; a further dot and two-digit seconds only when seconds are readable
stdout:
12.42
